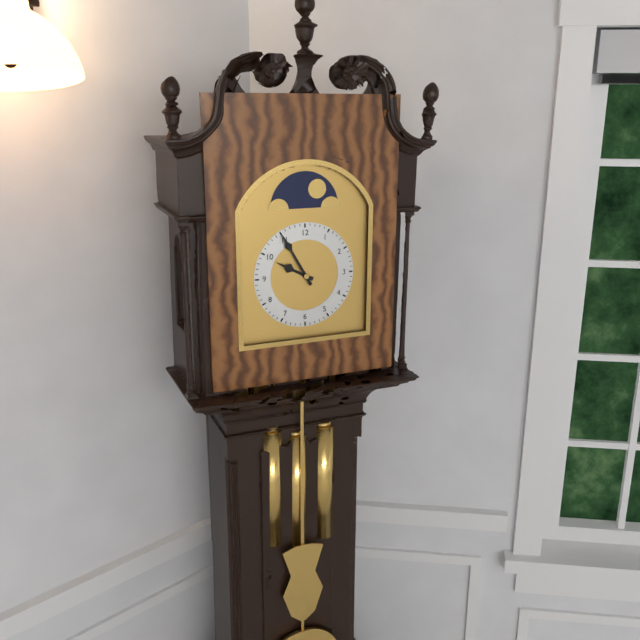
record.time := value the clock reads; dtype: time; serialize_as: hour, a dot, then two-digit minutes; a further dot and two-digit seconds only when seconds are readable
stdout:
9.55
